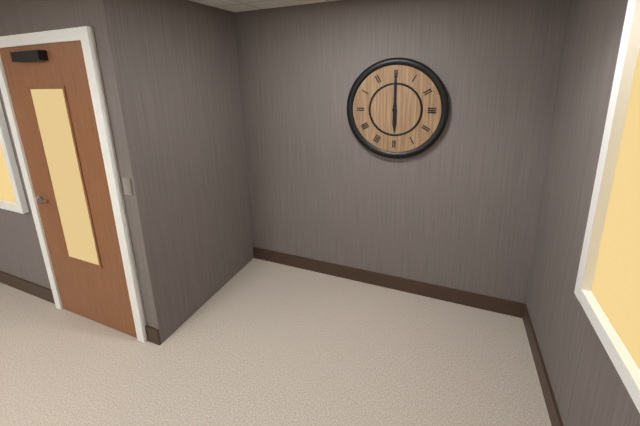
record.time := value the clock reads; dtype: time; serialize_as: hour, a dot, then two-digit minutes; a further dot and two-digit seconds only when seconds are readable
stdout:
6.00
